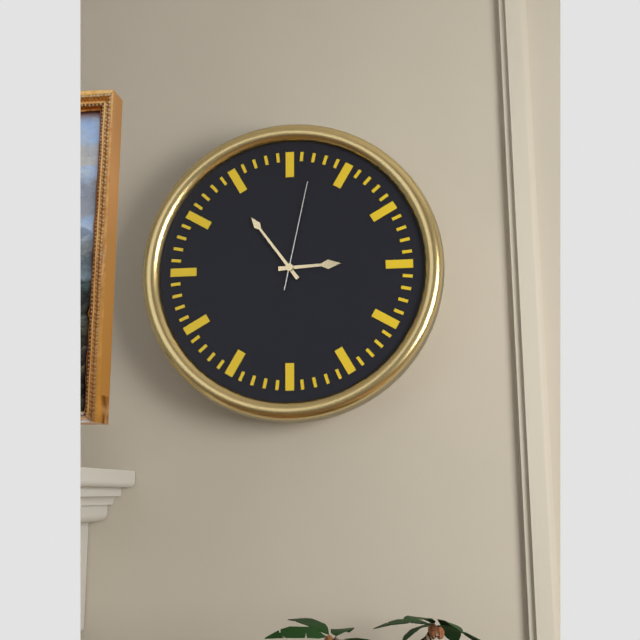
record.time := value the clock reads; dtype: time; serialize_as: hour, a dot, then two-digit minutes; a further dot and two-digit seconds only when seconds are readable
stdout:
2.54.02
